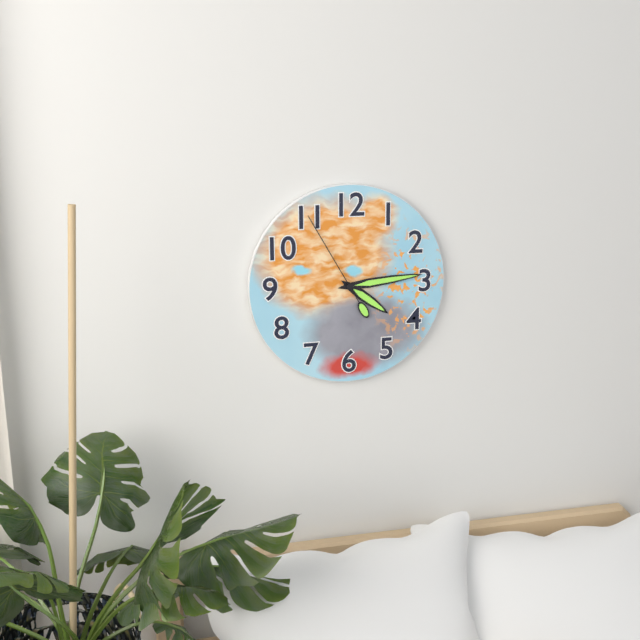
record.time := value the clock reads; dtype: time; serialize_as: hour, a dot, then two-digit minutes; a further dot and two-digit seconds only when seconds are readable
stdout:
4.14.55
